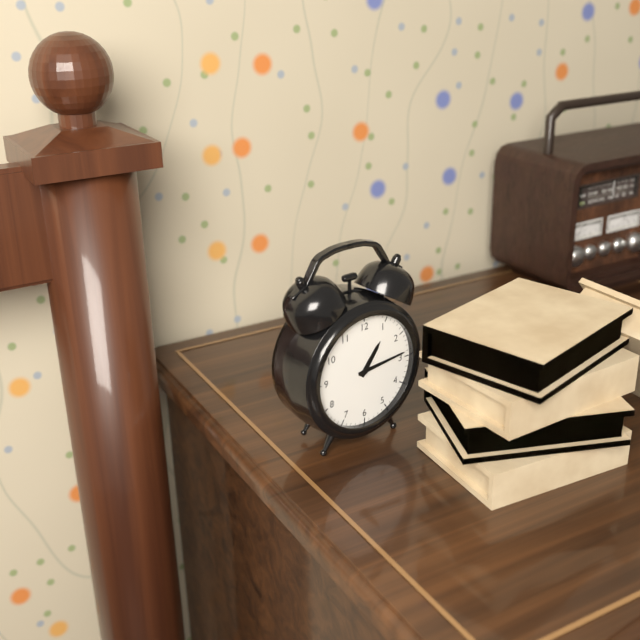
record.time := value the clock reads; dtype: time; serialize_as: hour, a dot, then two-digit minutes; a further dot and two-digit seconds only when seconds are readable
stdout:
1.14
